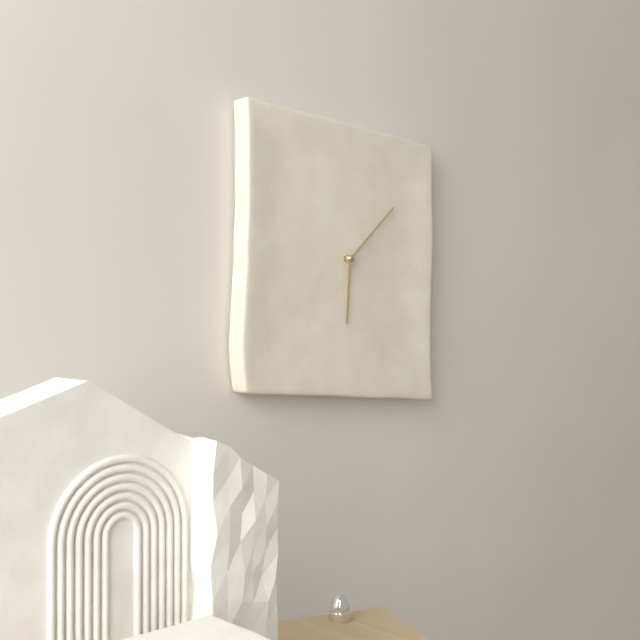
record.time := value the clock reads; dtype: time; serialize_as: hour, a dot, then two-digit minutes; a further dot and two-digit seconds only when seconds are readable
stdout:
6.08
